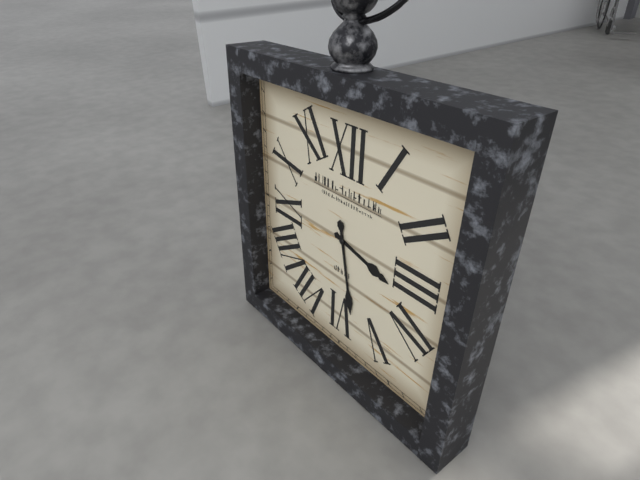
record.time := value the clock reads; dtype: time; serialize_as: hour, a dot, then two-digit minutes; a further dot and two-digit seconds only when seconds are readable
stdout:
3.28
